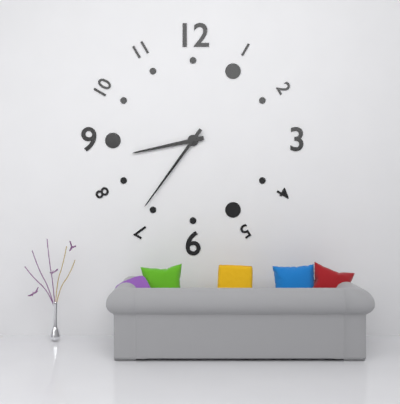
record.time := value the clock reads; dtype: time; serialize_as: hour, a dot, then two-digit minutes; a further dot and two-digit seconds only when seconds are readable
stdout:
8.36
